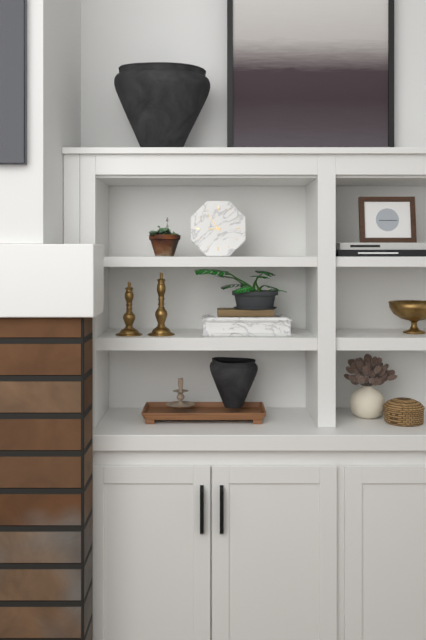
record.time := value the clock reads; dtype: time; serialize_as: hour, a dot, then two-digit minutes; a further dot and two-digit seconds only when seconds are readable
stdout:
8.54
